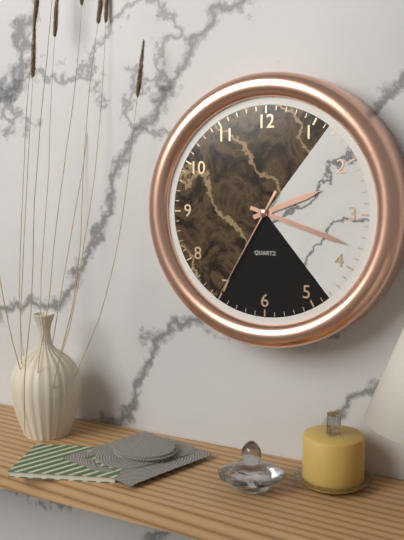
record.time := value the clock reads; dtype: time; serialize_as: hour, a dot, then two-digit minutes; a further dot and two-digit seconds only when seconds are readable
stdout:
2.18.35
